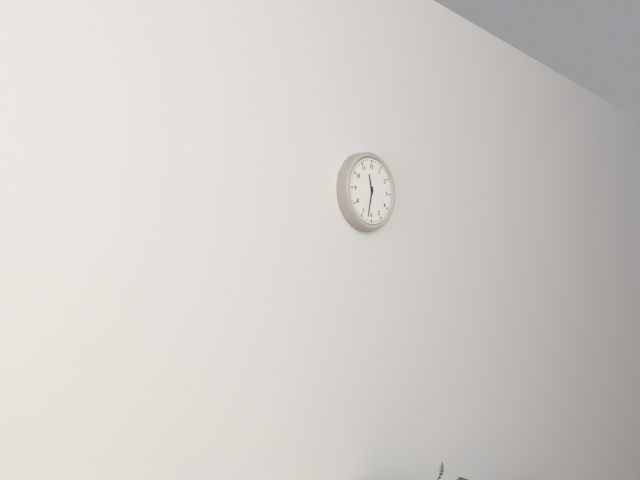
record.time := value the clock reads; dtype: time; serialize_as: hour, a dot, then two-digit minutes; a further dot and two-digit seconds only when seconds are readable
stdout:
11.32
